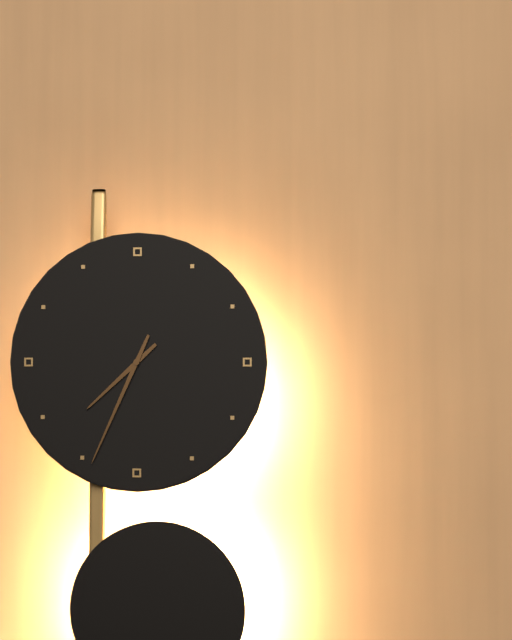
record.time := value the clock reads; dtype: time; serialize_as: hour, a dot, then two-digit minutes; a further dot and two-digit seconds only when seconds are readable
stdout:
7.34
